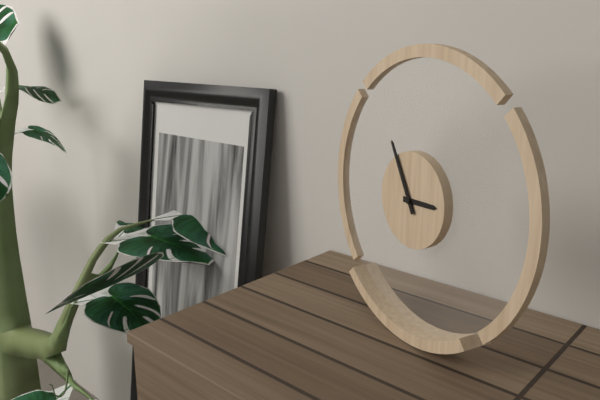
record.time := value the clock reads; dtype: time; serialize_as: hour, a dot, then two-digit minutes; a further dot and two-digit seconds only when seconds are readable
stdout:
2.55
